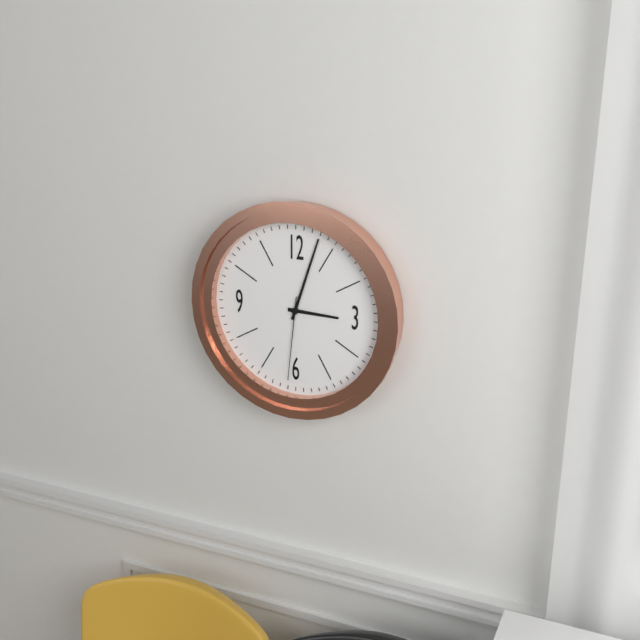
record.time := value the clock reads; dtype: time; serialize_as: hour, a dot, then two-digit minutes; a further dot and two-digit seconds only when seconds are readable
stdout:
3.03.31
